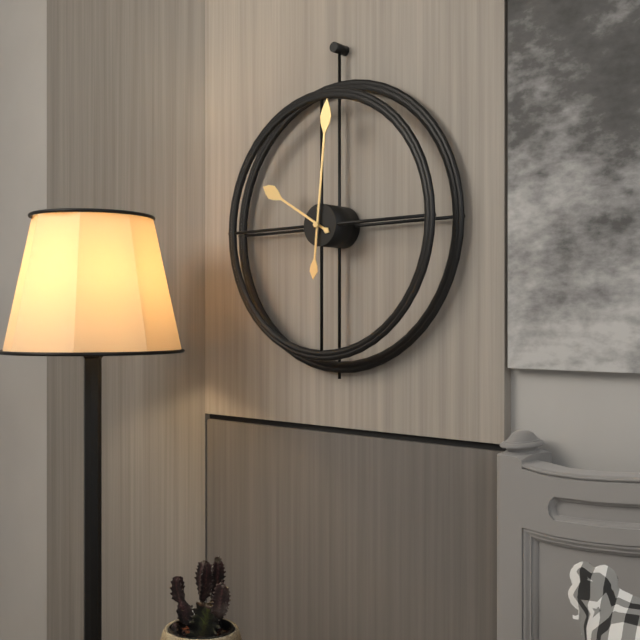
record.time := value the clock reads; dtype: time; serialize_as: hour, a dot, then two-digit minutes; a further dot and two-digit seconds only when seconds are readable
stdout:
10.01
